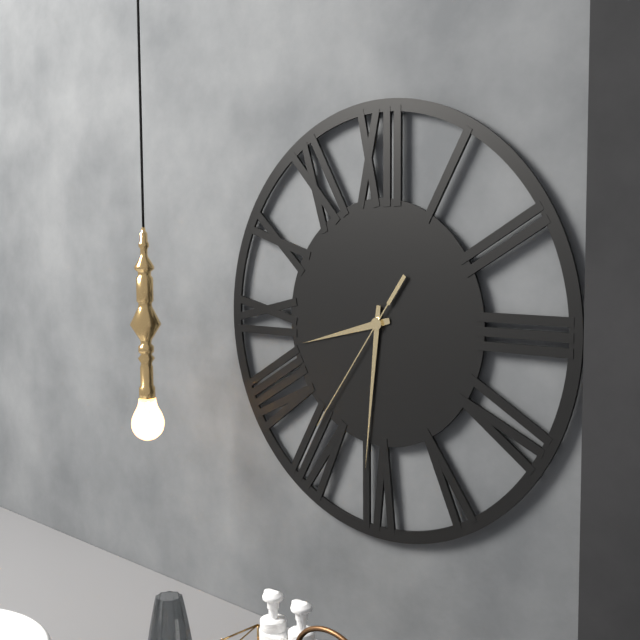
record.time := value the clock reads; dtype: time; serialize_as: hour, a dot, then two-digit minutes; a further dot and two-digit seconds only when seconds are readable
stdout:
8.31.36
